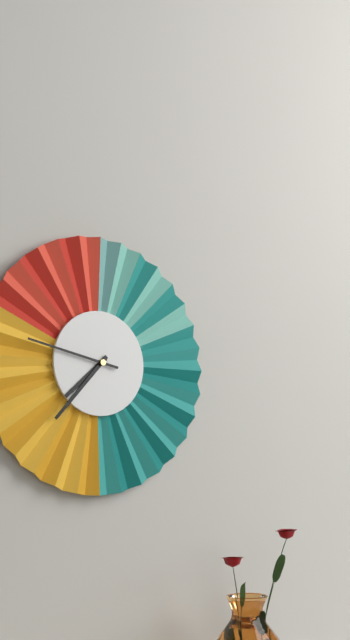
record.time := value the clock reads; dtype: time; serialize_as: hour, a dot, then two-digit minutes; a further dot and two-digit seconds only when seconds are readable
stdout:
7.37.47
